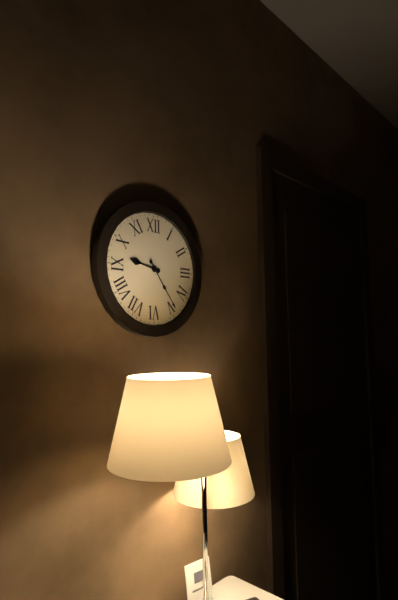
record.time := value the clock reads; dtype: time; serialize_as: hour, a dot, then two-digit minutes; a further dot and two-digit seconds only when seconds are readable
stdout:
9.24
